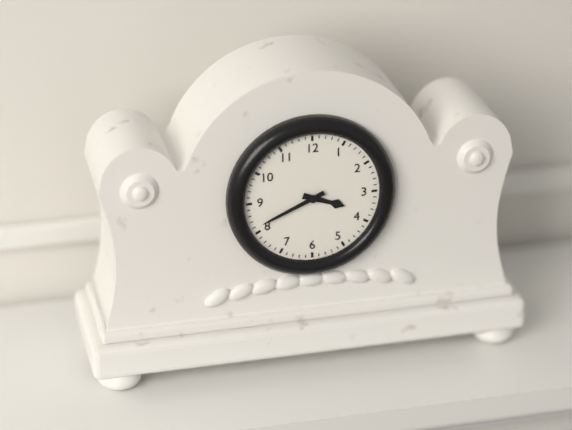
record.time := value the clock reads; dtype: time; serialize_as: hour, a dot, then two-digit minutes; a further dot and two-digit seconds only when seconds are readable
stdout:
3.41
